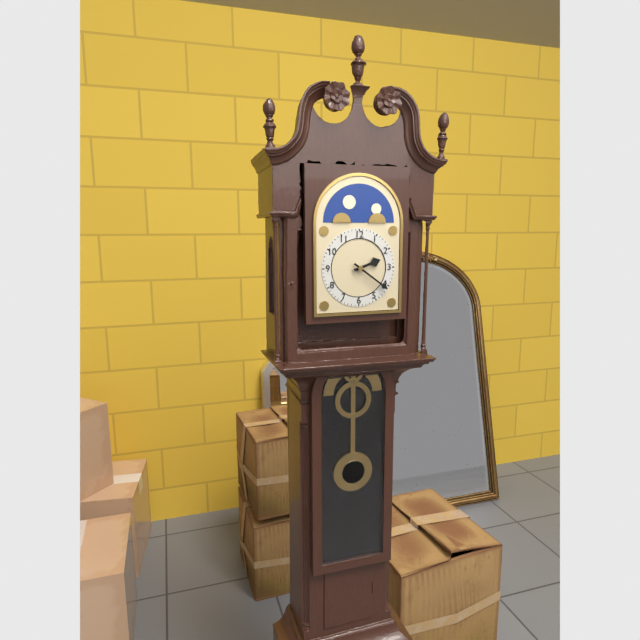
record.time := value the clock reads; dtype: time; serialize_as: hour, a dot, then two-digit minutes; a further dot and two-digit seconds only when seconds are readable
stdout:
2.21
